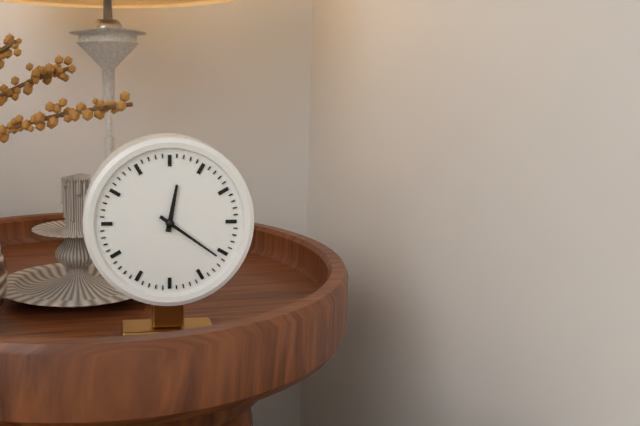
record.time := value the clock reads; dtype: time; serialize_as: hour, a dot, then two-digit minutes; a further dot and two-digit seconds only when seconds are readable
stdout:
12.21
